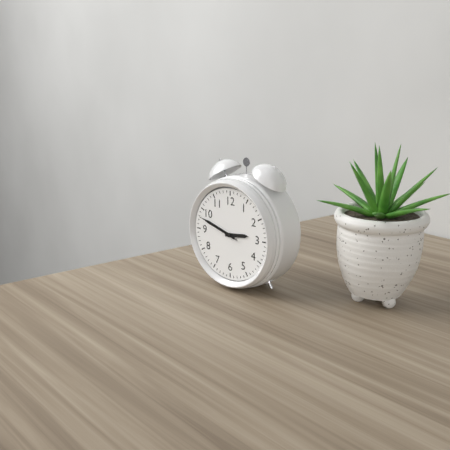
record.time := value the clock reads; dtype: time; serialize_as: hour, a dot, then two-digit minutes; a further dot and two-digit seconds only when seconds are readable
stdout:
2.48
